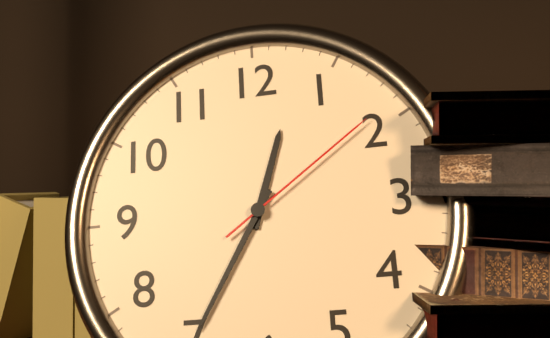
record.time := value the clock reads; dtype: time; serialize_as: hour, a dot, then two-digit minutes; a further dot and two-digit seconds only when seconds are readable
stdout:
12.35.09
